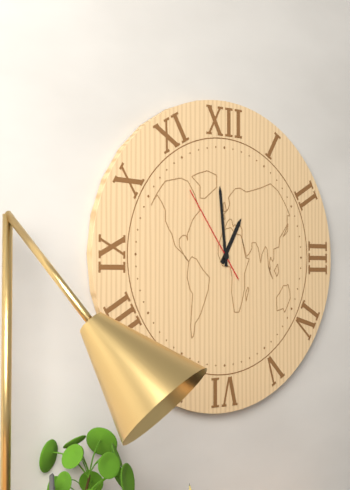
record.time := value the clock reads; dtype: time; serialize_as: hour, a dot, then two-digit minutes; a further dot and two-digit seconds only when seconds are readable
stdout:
12.59.54
